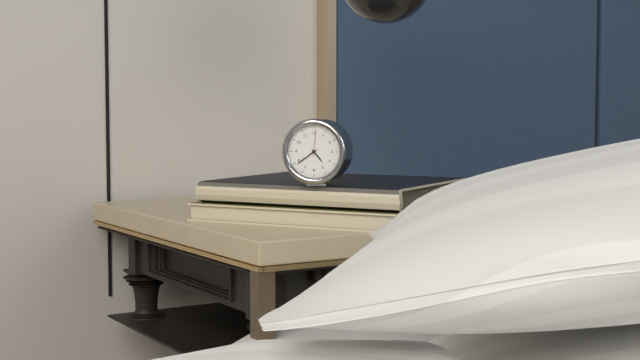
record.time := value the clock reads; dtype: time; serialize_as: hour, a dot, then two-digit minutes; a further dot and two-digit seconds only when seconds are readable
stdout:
4.39
